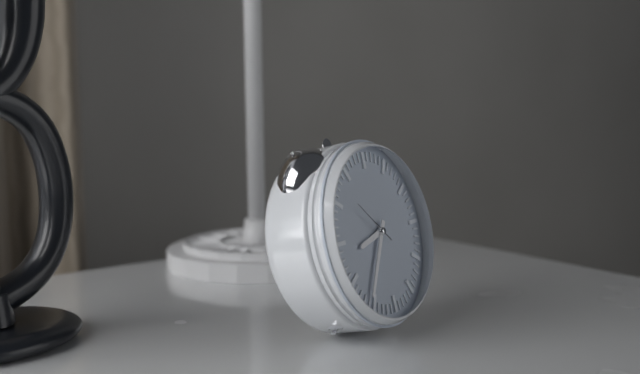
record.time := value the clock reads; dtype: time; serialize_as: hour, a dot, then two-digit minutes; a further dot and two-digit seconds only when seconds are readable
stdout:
8.36
